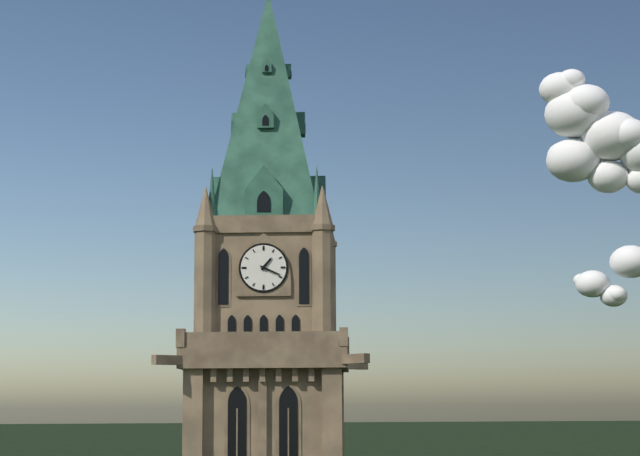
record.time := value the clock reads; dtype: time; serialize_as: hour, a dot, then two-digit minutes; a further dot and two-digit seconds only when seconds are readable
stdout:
1.19
